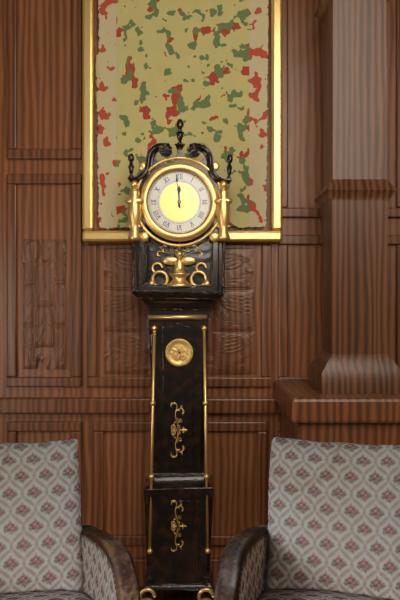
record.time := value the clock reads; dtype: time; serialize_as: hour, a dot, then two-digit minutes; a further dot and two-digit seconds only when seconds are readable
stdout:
11.59
